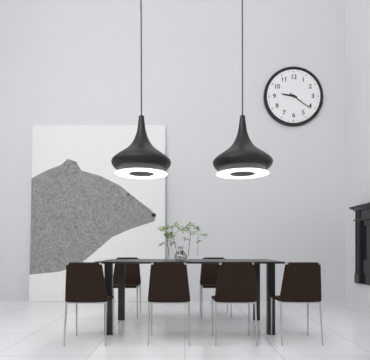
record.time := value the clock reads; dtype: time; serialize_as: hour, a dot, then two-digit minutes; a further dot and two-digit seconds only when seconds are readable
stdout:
9.21
